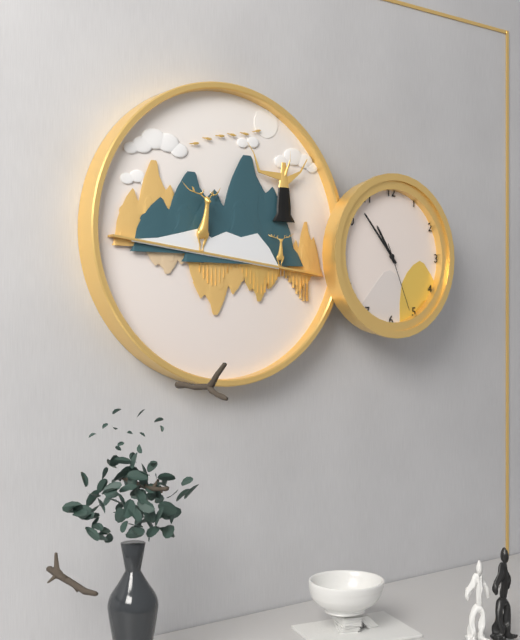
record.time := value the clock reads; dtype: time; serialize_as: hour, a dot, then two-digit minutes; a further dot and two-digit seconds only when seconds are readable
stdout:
10.53.26
